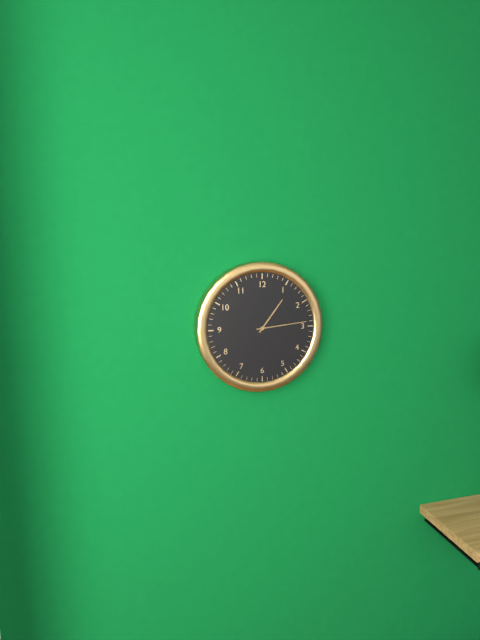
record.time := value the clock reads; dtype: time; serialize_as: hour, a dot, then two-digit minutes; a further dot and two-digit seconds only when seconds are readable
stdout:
1.14
